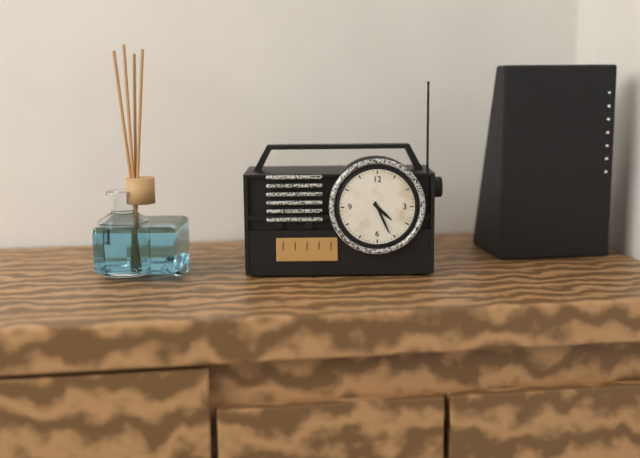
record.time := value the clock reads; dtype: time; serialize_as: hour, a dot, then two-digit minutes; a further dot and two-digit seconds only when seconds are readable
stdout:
4.26
